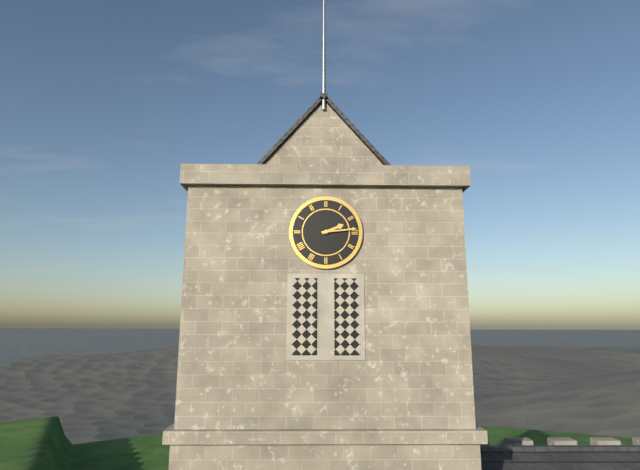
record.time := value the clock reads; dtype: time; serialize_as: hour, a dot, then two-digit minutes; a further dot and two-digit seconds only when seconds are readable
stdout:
2.14
